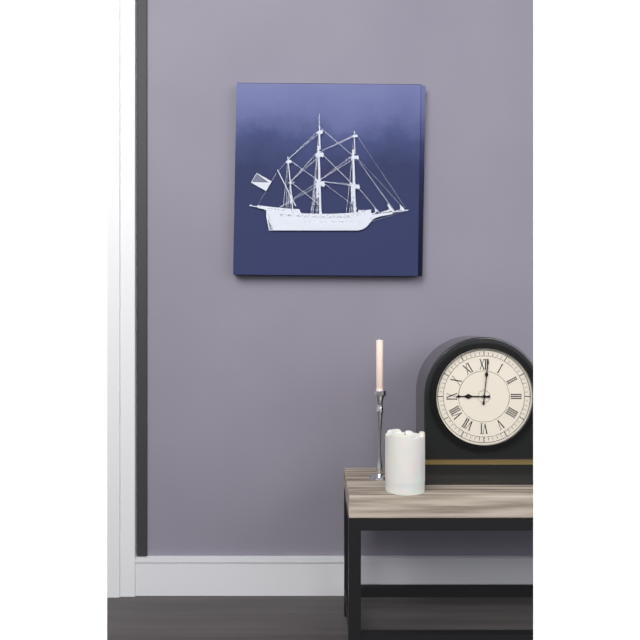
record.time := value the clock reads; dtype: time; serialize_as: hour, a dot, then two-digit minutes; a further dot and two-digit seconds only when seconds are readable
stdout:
9.01
